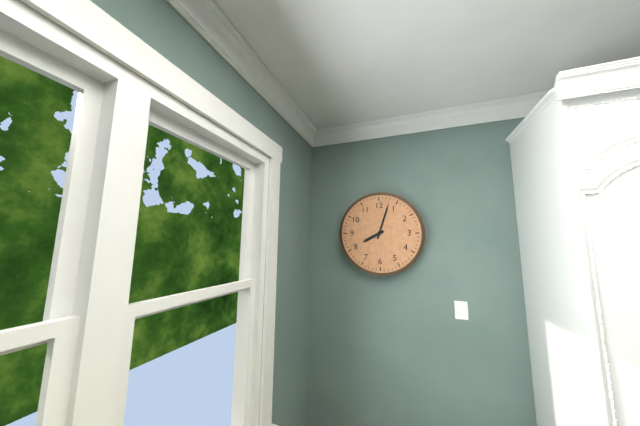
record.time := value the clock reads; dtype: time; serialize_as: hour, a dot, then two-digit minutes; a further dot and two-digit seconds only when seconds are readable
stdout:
8.03
